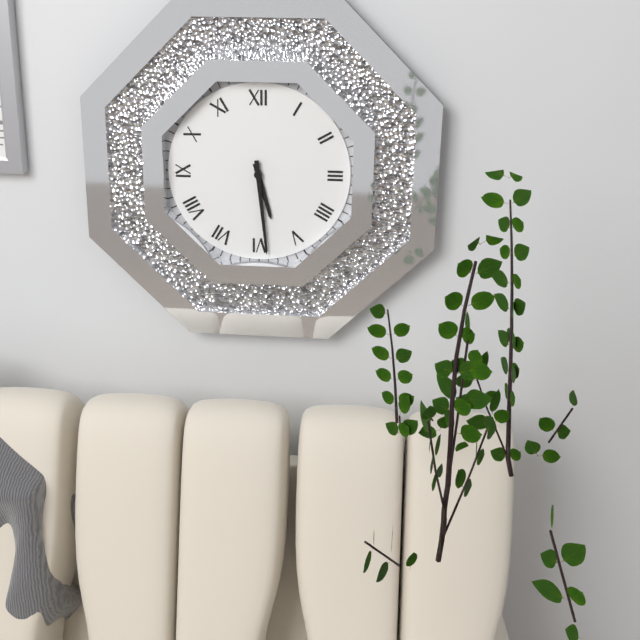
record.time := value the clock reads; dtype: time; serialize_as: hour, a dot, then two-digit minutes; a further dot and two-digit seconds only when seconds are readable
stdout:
5.29
